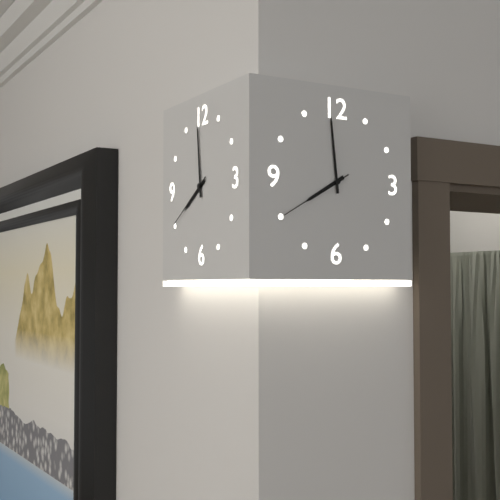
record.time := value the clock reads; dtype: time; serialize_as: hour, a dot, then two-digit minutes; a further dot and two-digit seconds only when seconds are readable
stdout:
7.59.40
